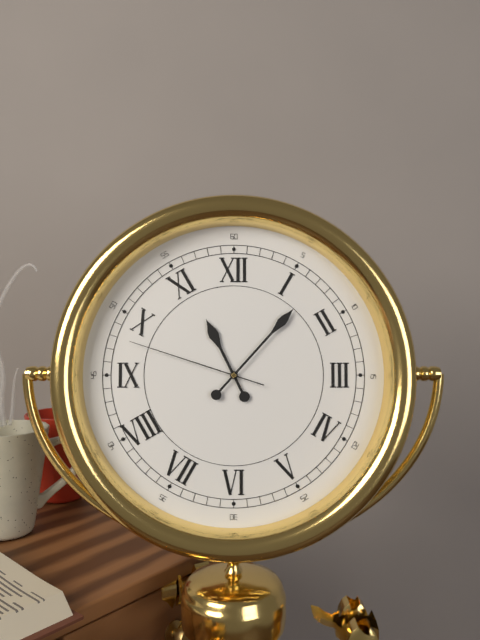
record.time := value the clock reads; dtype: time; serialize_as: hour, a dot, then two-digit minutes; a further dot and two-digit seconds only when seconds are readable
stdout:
11.07.48
